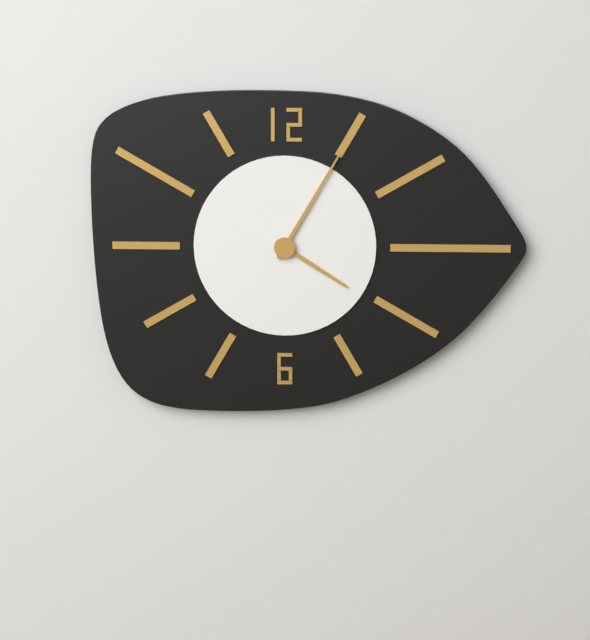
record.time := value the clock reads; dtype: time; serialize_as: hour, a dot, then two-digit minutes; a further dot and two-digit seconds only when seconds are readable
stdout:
4.05
